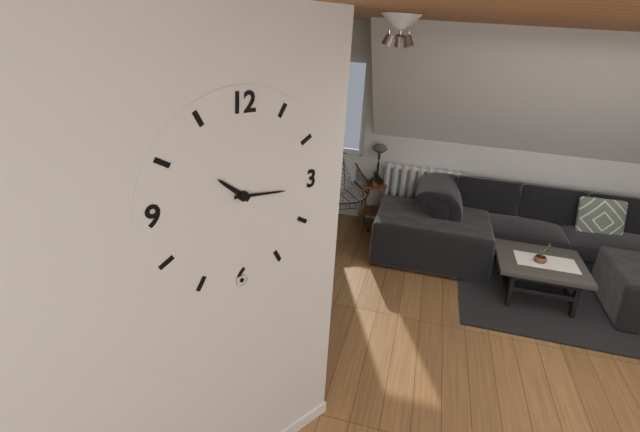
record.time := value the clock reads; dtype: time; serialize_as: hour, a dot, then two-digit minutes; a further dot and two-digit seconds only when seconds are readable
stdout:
10.16
